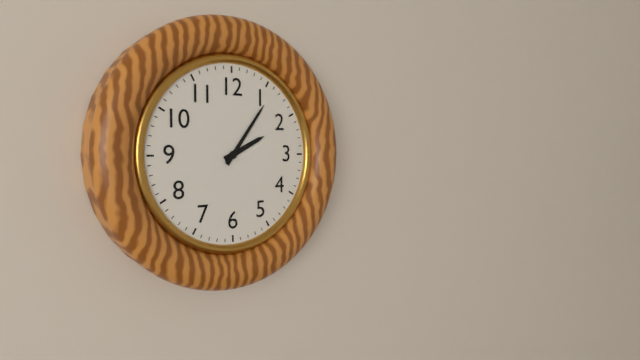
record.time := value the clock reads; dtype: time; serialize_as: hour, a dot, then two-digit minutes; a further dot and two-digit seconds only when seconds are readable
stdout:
2.06
